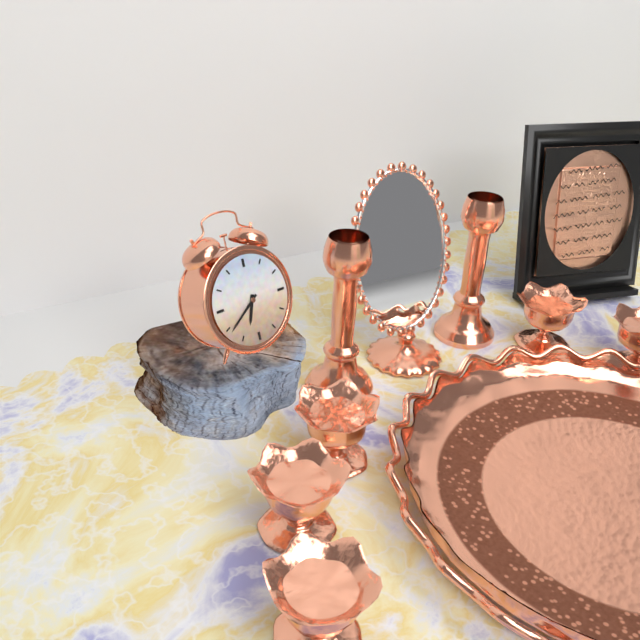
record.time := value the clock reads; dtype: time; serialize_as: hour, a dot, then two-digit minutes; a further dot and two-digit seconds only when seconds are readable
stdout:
6.39
